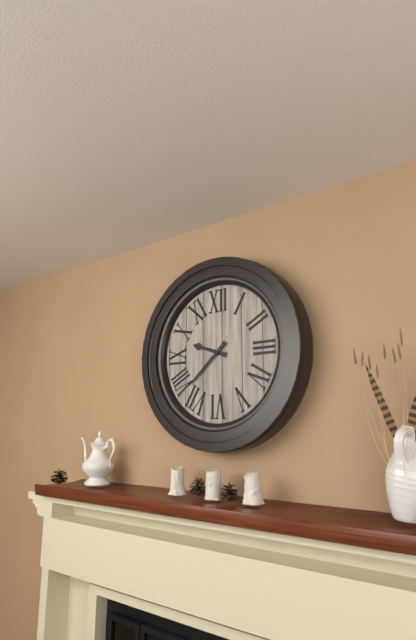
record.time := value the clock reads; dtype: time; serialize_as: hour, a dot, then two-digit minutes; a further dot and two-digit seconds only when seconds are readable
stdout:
9.38
